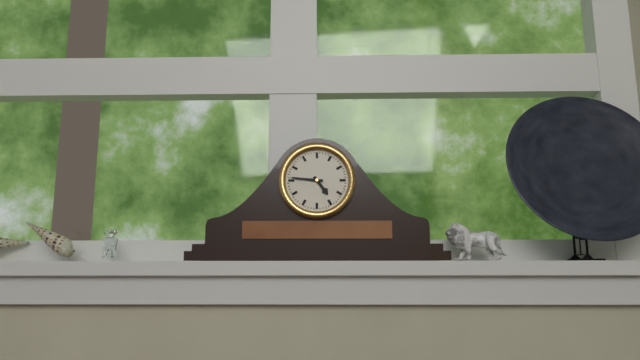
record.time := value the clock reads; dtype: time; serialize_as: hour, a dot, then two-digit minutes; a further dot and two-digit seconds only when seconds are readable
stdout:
4.46
